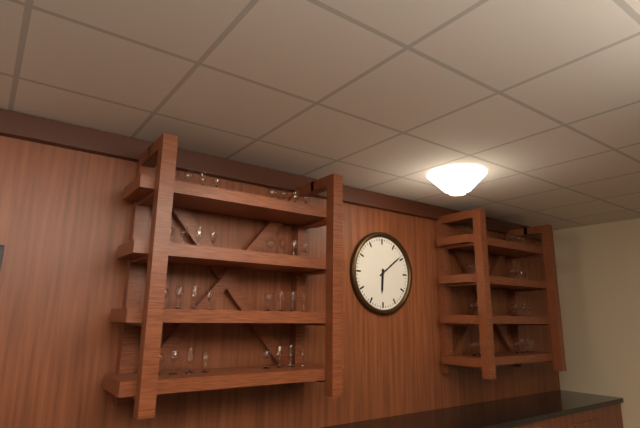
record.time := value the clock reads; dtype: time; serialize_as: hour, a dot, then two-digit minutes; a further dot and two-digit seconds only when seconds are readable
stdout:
6.09
